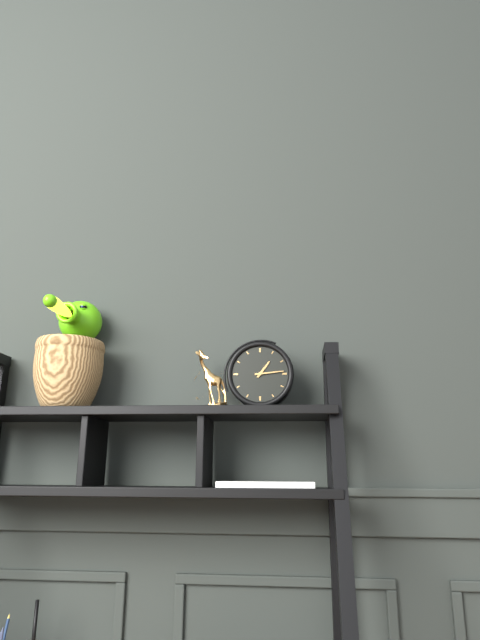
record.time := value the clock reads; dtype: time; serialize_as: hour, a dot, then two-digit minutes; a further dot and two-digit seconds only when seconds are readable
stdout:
1.14
